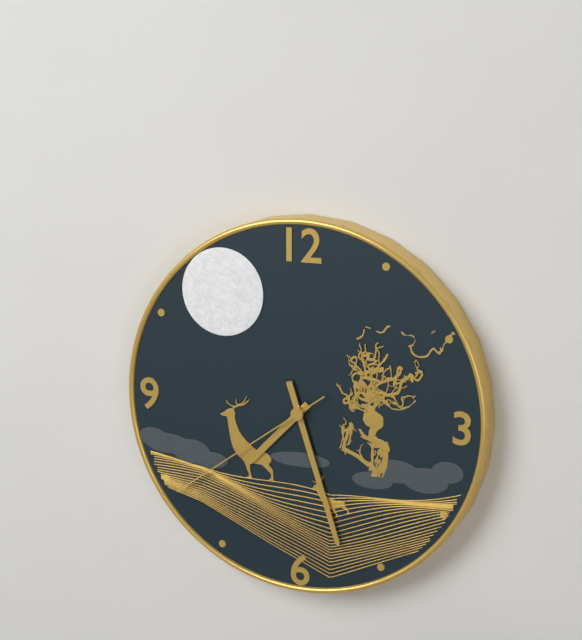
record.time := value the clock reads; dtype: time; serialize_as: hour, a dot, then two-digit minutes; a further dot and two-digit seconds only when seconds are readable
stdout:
7.27.39
